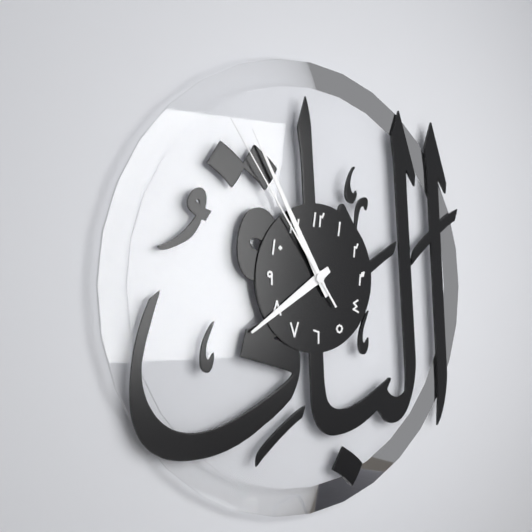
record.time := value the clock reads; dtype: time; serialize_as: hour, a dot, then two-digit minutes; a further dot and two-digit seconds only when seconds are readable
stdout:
7.55.54
